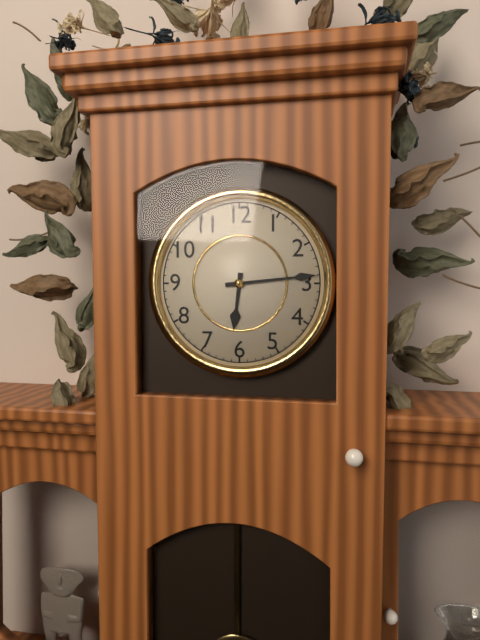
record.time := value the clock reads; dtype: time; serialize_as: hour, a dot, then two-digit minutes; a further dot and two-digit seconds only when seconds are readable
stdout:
6.14
